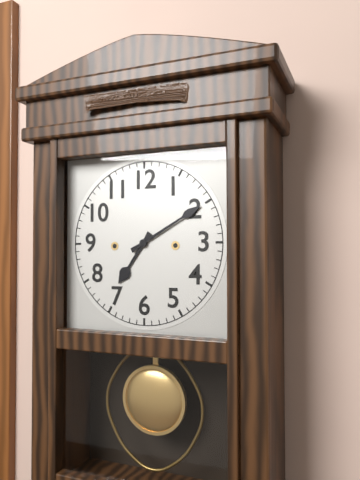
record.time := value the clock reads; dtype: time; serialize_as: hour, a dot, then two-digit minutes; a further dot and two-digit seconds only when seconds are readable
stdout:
7.10
